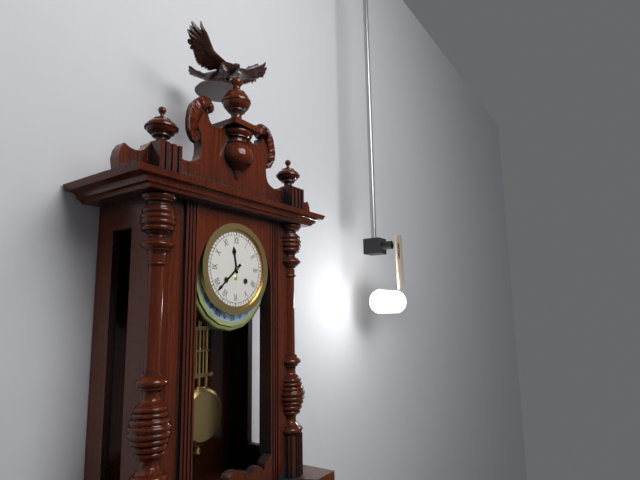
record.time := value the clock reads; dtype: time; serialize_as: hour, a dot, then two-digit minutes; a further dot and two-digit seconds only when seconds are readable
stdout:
11.38
